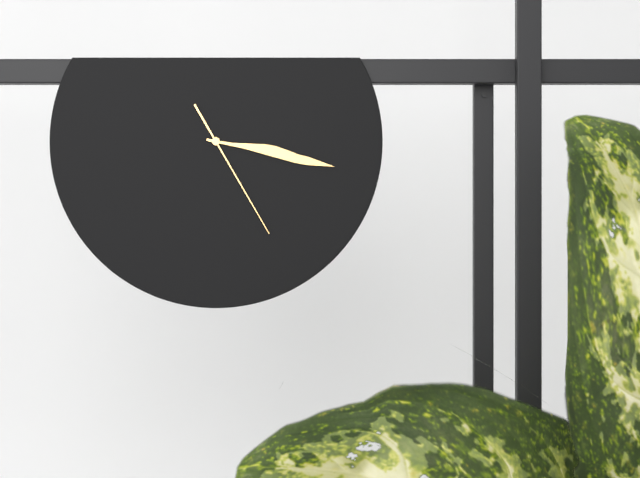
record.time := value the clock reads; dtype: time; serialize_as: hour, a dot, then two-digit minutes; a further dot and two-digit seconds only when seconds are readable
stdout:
3.17.25
